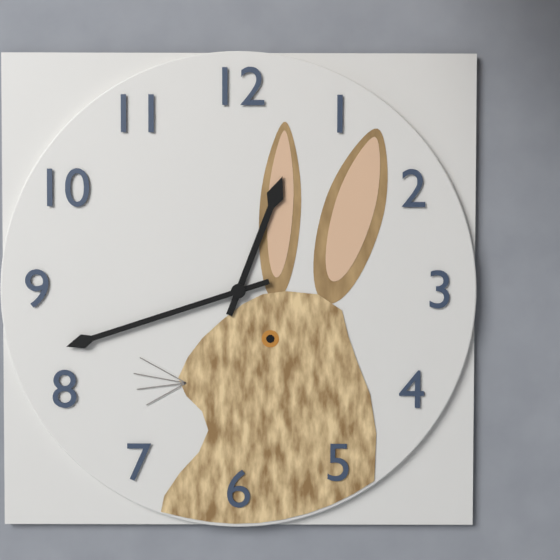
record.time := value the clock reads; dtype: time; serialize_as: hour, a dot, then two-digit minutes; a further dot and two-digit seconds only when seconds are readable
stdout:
12.42
